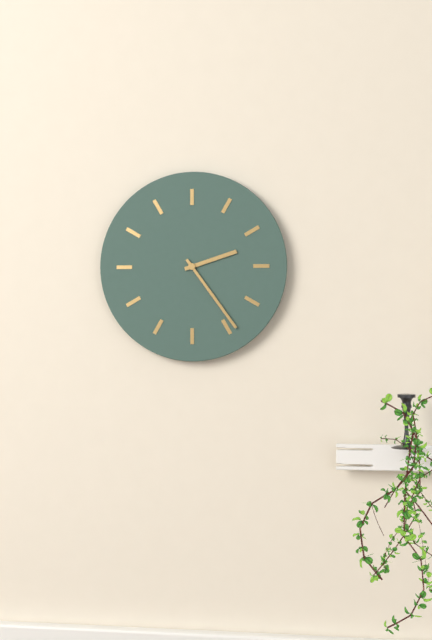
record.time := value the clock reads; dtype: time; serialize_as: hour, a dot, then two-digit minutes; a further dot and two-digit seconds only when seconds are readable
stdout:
2.24
